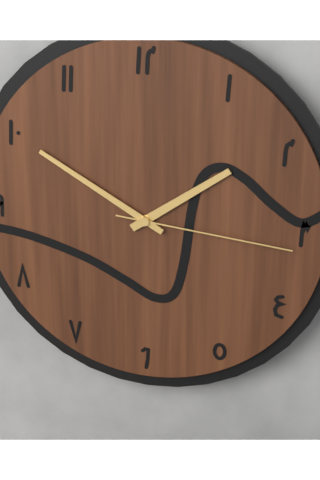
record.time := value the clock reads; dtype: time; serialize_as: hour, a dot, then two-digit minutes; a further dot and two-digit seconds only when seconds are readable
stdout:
1.50.16
